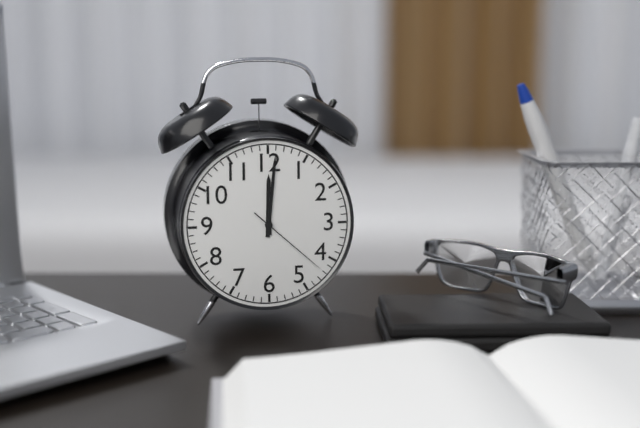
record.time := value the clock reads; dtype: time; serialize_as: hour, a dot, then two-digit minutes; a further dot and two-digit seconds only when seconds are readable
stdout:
12.01.22
